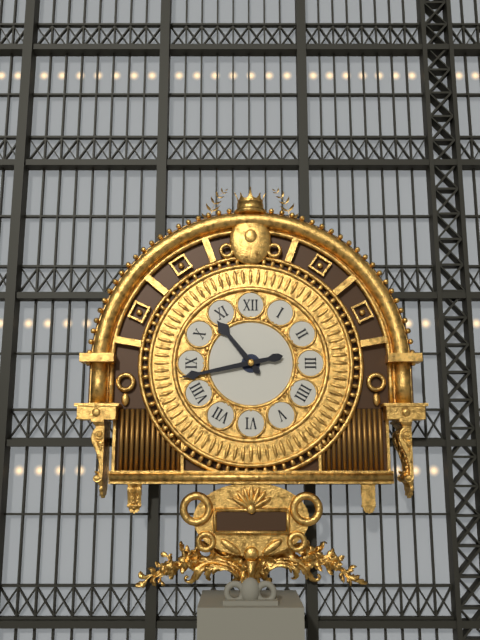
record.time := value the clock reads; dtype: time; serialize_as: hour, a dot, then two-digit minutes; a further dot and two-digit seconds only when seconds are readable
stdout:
10.43
